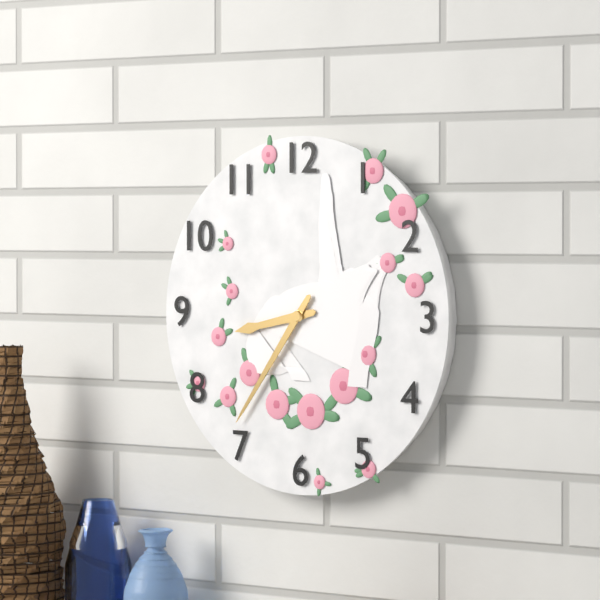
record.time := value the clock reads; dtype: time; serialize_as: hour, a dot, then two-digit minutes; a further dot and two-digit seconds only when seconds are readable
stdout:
8.36
